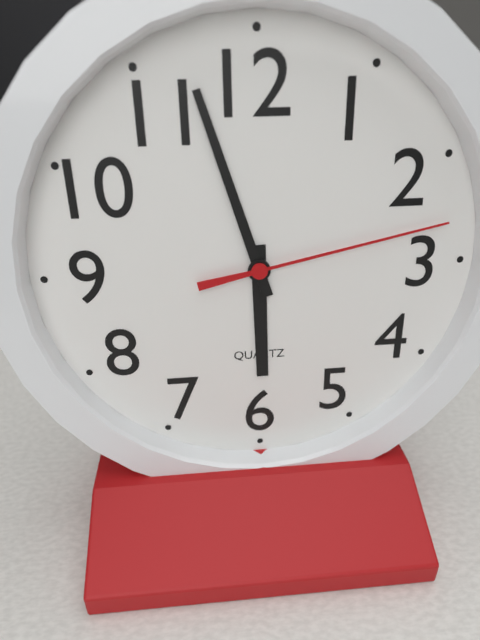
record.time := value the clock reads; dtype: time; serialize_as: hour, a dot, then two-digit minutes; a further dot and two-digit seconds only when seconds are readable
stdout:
5.57.13
